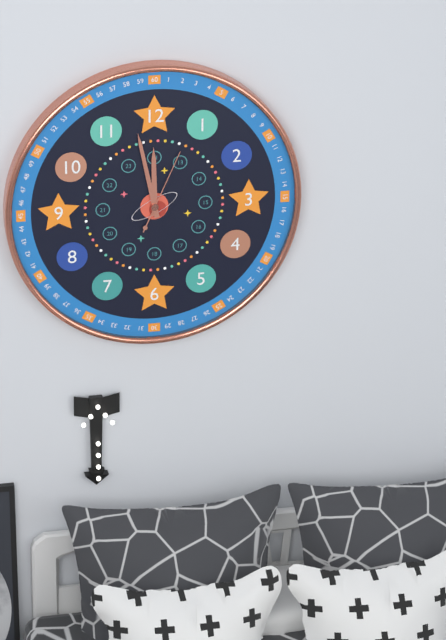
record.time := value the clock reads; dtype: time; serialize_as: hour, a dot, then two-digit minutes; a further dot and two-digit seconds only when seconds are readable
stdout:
11.58.04
